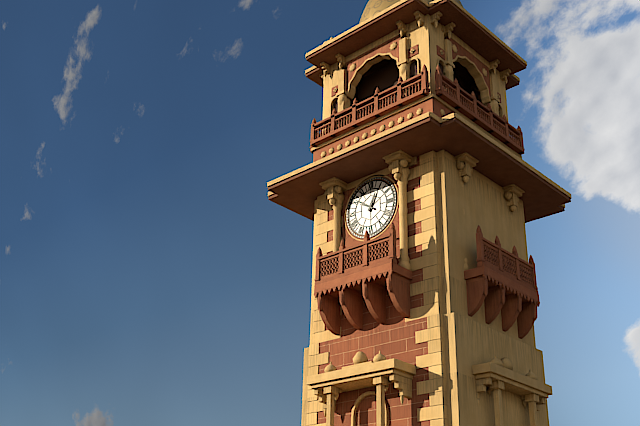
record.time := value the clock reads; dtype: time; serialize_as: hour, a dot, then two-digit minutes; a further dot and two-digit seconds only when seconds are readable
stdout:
12.51
